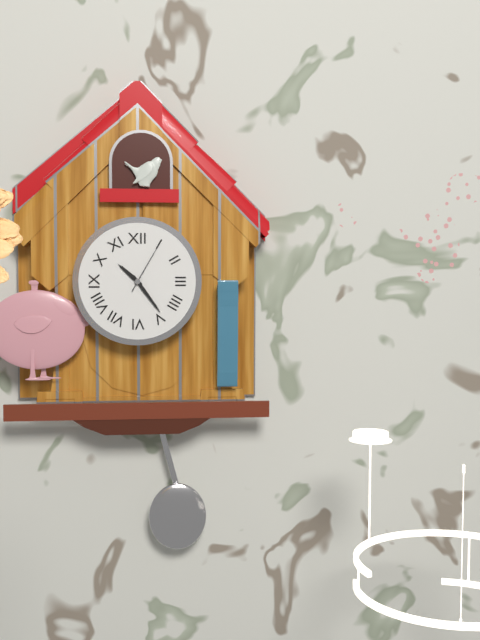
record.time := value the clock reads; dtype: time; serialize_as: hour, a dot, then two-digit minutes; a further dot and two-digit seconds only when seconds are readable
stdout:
10.24.05
